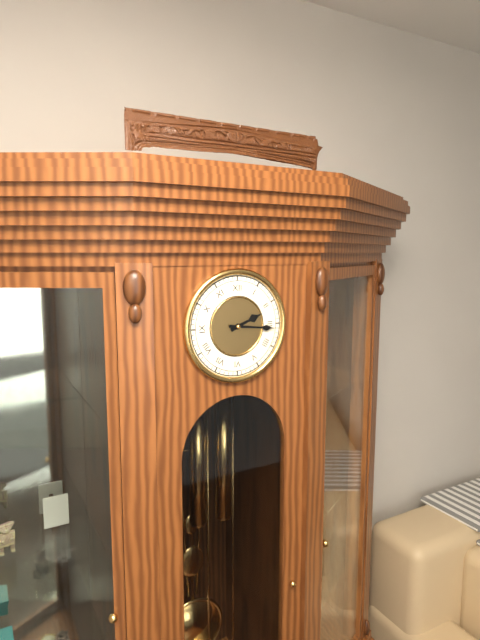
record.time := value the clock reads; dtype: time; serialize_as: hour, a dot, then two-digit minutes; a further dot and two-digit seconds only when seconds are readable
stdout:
2.16
